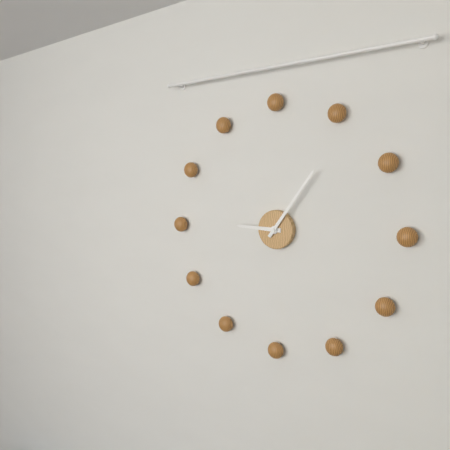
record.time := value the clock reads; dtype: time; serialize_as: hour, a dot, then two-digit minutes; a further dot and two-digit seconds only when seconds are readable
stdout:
9.06
